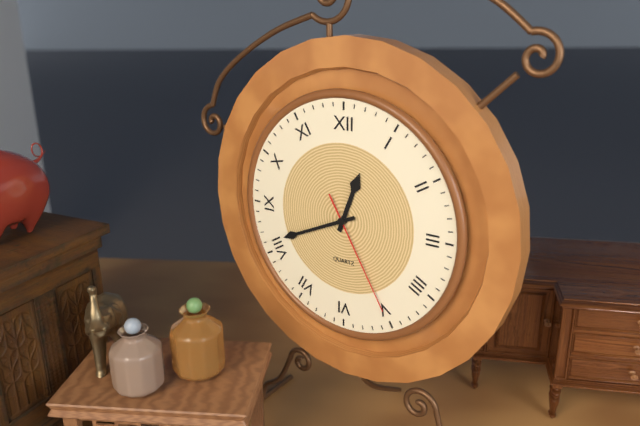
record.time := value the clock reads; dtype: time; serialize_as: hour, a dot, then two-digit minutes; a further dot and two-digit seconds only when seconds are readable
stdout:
12.41.25
